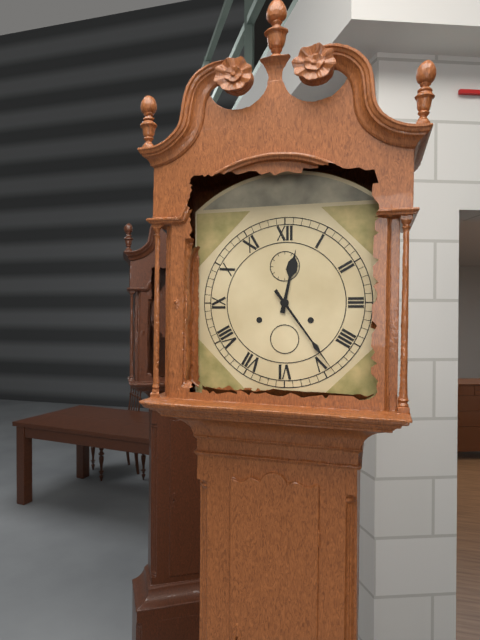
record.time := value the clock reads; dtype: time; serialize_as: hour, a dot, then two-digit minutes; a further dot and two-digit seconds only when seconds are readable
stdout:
12.24
